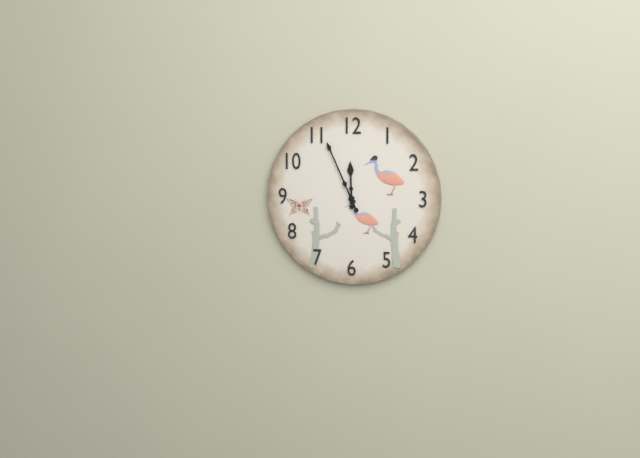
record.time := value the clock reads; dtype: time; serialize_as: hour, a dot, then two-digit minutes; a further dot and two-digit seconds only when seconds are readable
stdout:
11.56
